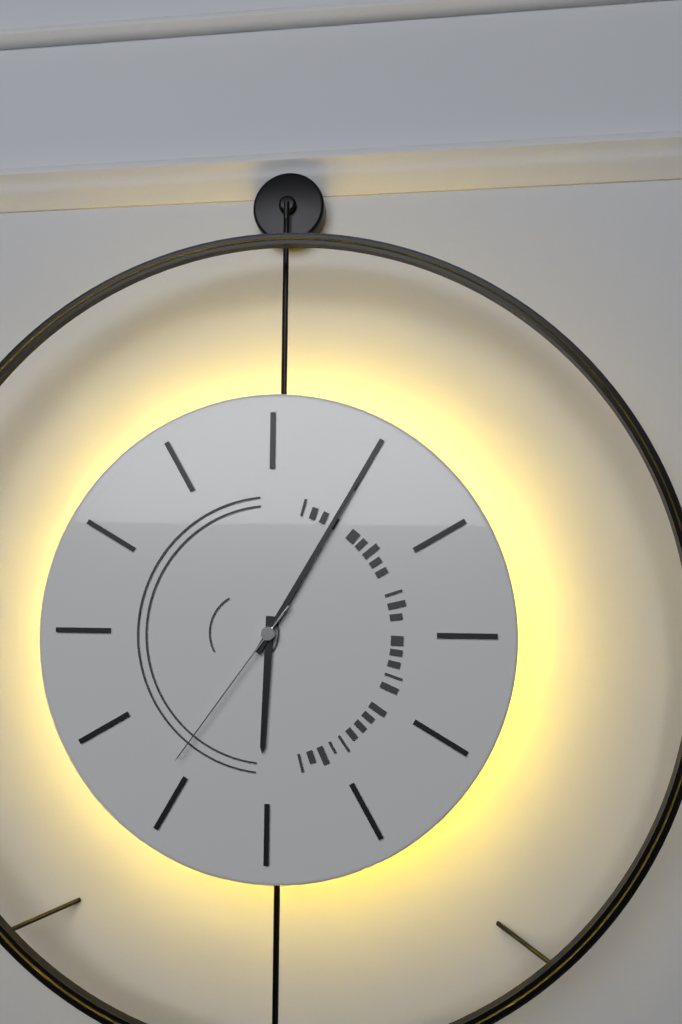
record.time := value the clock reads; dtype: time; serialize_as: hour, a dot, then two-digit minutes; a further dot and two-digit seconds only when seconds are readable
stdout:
6.05.36
